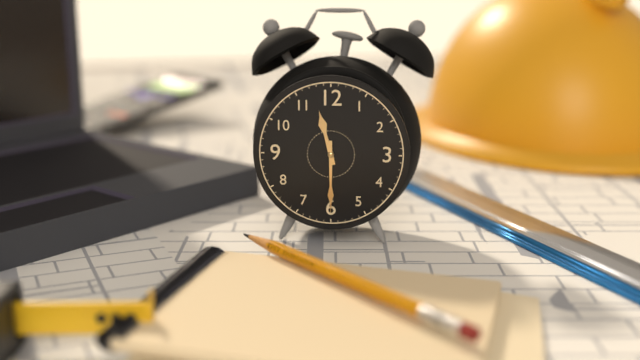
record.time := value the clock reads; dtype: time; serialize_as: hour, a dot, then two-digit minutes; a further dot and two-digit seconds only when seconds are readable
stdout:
11.30
